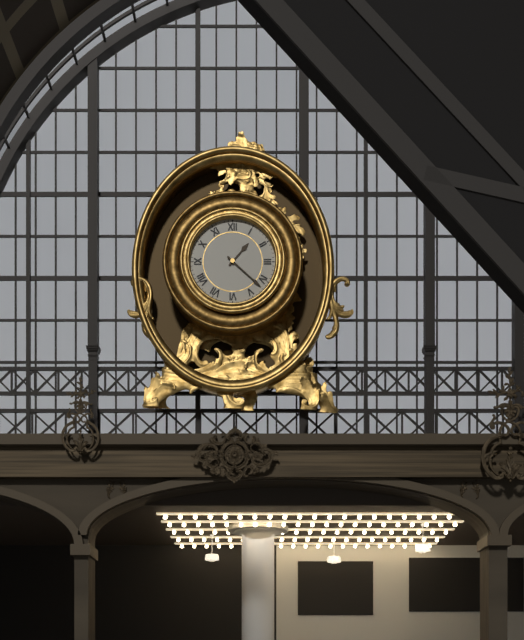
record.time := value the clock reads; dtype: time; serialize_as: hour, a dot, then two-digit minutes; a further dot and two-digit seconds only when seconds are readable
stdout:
1.22
